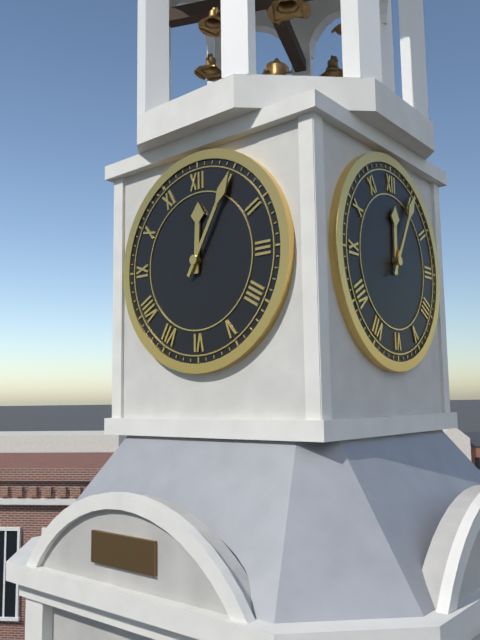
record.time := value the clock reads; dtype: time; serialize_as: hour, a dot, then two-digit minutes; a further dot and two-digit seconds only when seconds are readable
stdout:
12.05
